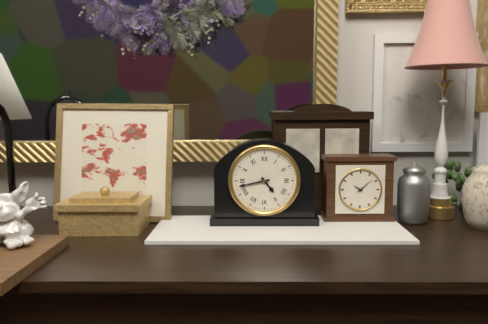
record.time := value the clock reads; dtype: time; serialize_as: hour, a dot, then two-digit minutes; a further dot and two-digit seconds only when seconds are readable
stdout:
4.43
